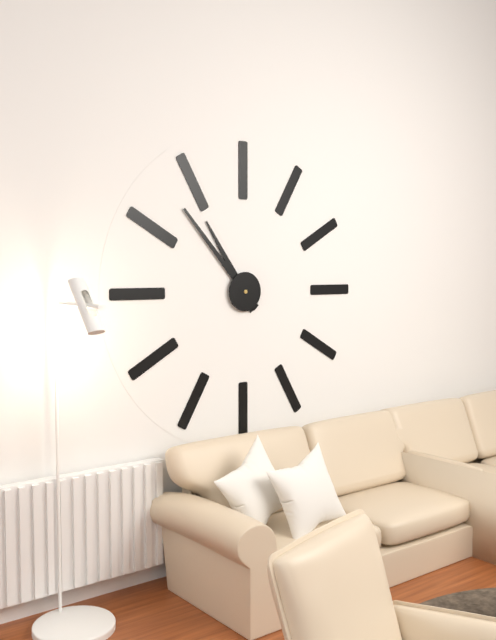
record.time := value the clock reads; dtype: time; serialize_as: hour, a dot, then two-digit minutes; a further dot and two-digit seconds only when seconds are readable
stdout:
10.53
